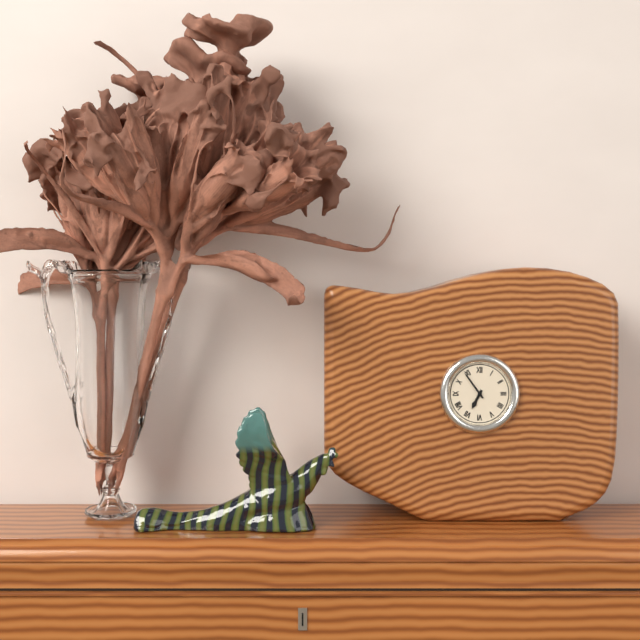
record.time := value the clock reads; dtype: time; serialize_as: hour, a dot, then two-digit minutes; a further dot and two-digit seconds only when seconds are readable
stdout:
6.54
